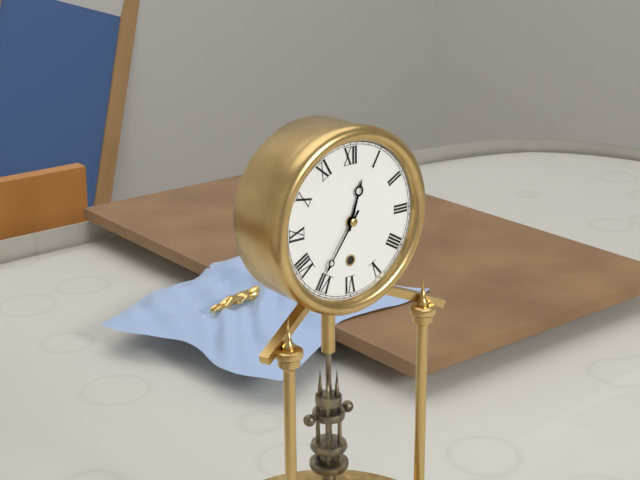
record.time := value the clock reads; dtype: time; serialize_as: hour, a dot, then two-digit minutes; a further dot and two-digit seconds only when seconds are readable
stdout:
12.36
